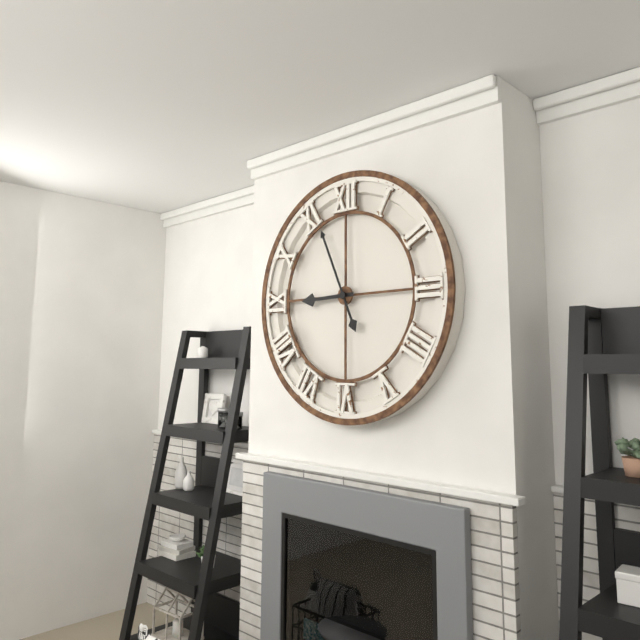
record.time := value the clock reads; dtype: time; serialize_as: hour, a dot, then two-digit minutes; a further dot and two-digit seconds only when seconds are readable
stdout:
8.56
